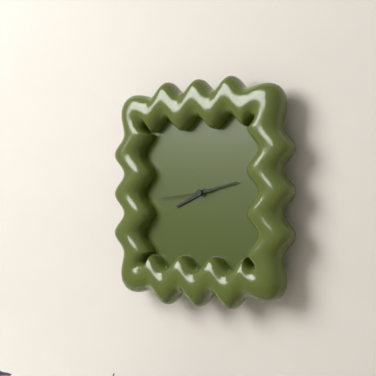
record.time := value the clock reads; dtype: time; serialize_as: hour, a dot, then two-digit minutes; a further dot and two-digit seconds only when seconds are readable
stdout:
8.13.44
